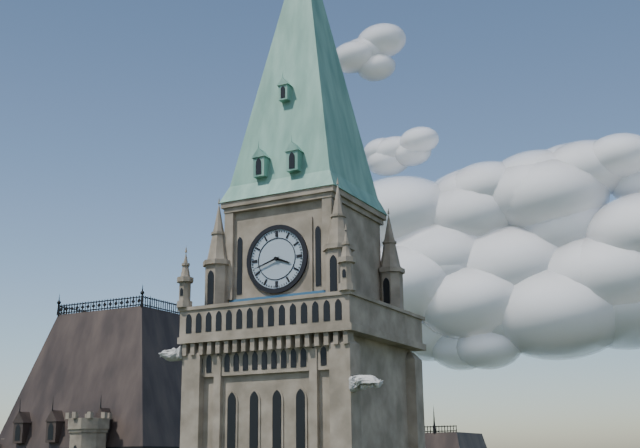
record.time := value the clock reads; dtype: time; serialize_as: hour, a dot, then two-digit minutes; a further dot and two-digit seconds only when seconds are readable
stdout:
3.42
